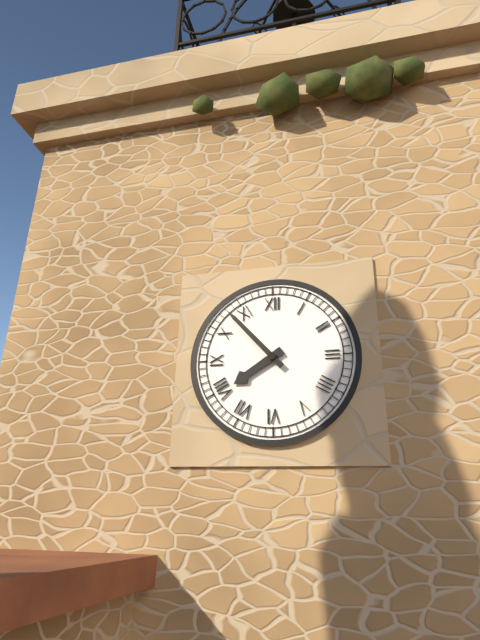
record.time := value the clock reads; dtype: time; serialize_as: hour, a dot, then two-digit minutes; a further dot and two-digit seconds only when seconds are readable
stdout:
7.53
